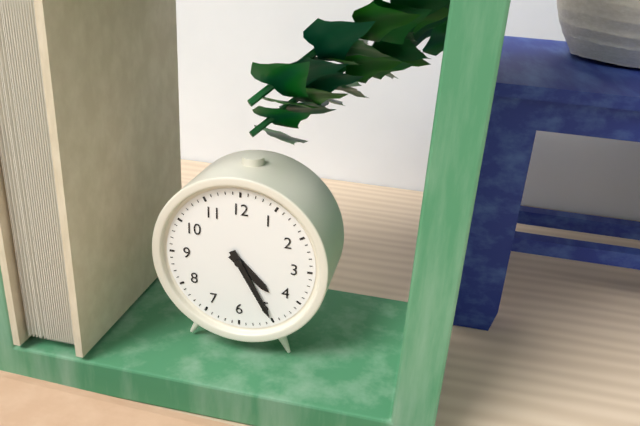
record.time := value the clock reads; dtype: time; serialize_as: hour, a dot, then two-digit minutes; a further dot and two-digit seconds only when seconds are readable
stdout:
4.25
